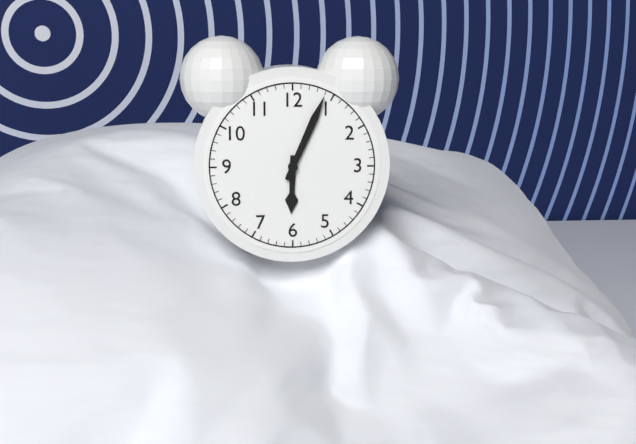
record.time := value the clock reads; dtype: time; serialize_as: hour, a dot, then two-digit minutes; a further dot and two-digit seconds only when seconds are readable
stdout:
6.04
